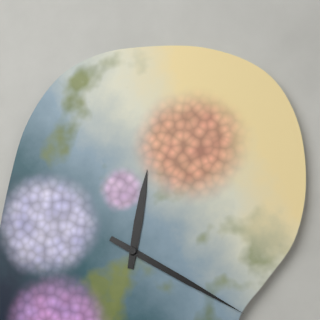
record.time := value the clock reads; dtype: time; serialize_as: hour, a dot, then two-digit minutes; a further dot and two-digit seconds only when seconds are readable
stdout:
12.20
